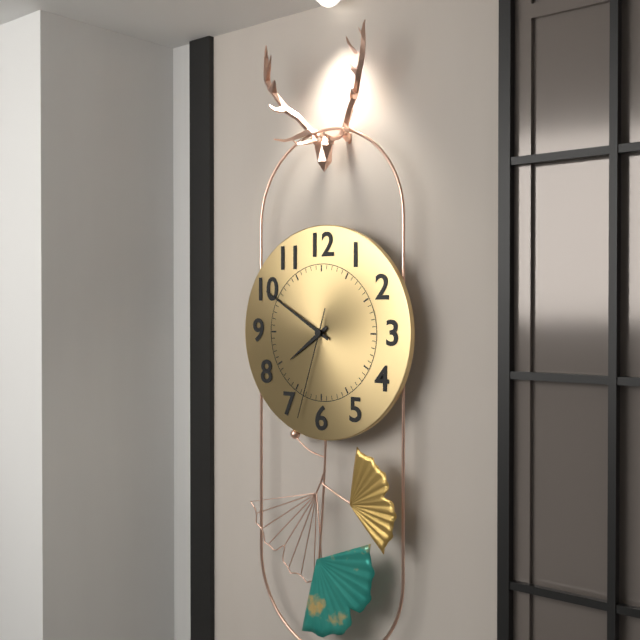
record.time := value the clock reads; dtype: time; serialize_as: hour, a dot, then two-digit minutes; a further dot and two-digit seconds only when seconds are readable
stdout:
7.50.33
